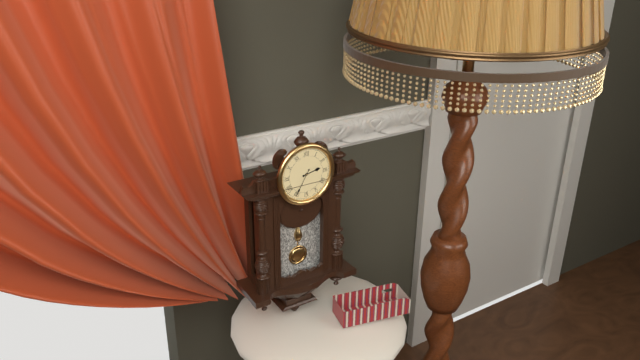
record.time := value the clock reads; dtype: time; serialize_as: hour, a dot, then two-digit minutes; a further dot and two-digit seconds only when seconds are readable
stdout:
2.35
